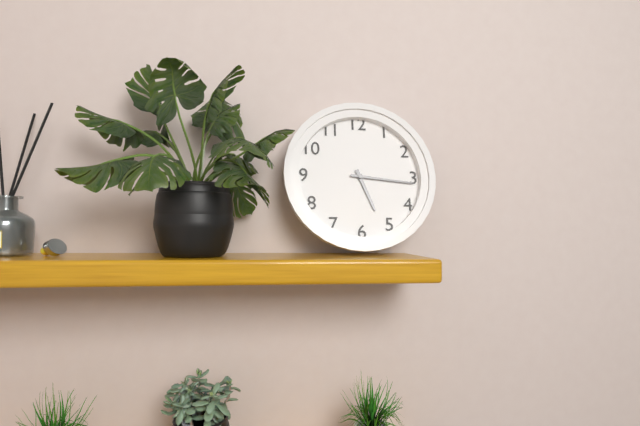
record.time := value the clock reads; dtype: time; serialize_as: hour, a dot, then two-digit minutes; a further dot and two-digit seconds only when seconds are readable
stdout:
5.16
